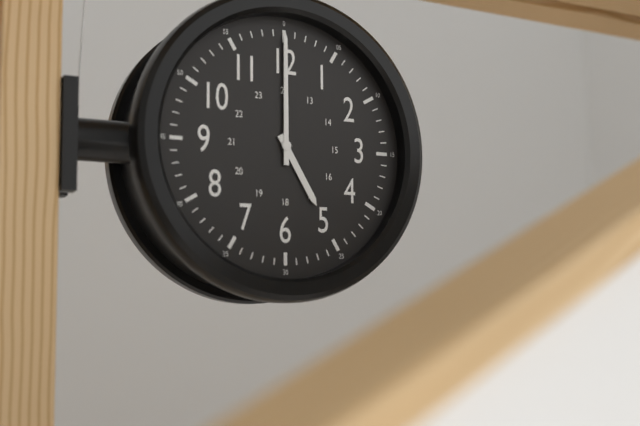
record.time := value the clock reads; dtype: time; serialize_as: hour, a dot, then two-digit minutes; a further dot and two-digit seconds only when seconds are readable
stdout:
5.00
